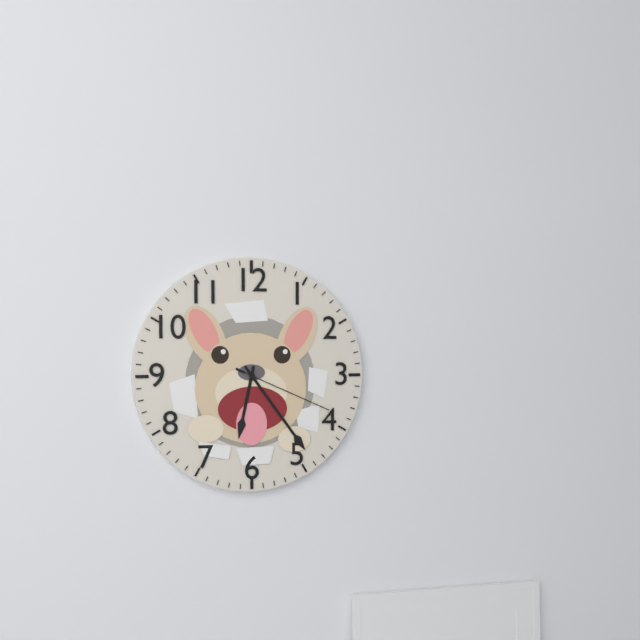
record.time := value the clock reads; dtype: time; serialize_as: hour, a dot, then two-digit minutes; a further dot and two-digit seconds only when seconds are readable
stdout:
6.24.19
